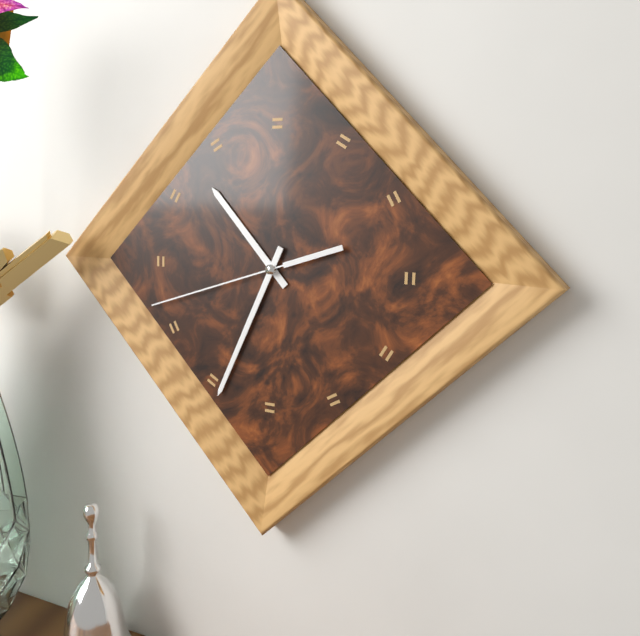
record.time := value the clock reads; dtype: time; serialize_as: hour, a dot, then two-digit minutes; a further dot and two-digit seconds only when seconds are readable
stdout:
10.34.42
